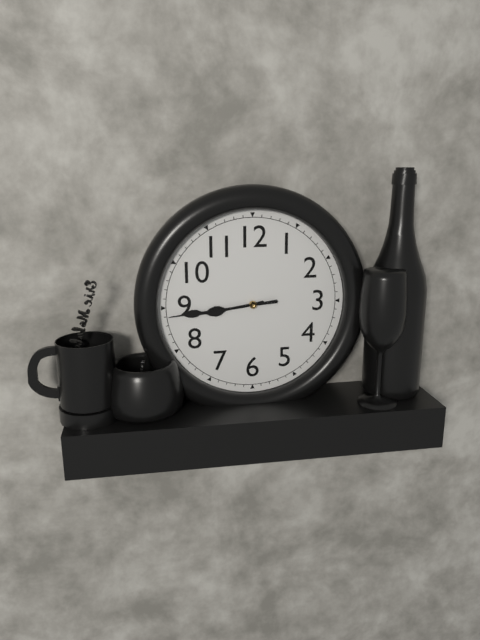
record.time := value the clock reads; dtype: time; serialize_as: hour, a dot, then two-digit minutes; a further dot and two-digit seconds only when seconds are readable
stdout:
8.44
